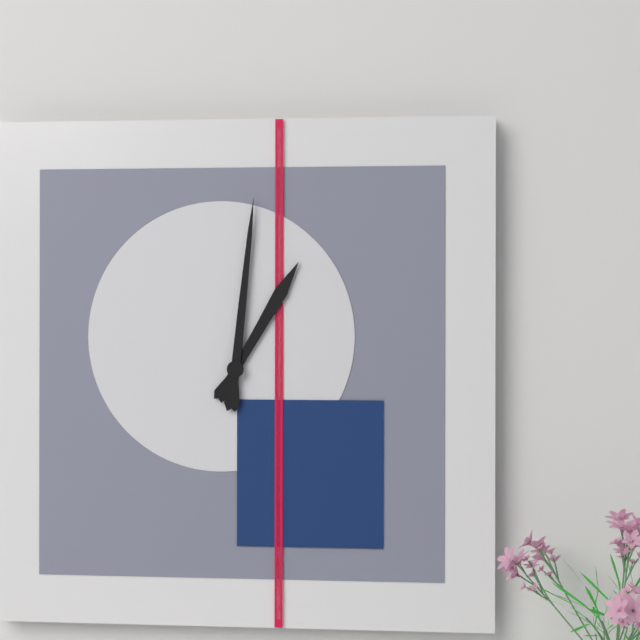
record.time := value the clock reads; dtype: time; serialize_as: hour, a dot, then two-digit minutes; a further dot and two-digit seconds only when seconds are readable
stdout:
1.01
